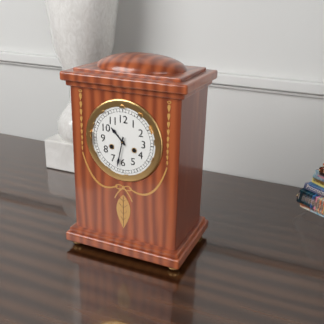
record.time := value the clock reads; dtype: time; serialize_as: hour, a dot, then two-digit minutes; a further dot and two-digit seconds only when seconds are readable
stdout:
10.32
